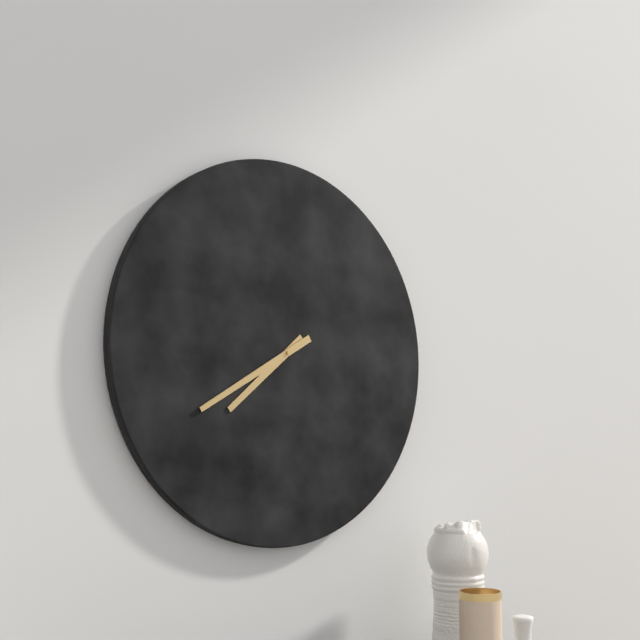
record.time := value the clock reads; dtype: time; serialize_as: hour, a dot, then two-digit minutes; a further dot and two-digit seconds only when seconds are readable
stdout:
7.40
